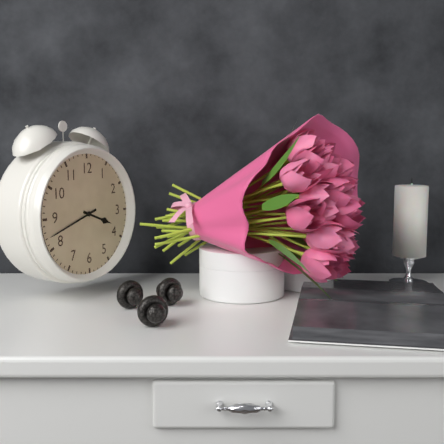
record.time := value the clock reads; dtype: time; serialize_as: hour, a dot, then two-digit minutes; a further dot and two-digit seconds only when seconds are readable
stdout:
3.42
